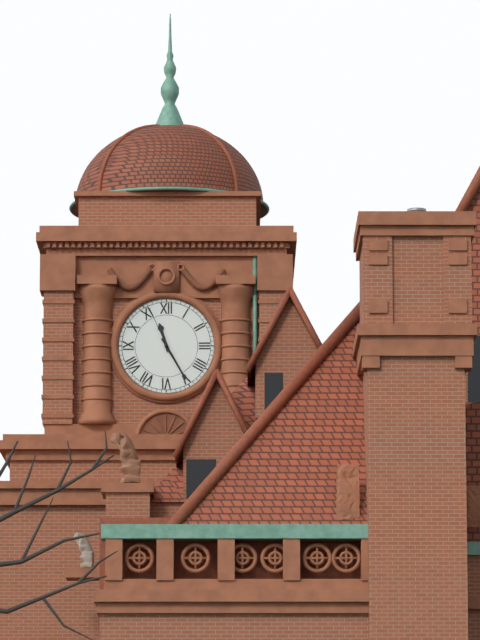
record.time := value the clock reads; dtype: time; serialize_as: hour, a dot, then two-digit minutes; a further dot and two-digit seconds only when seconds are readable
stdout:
11.25.56
